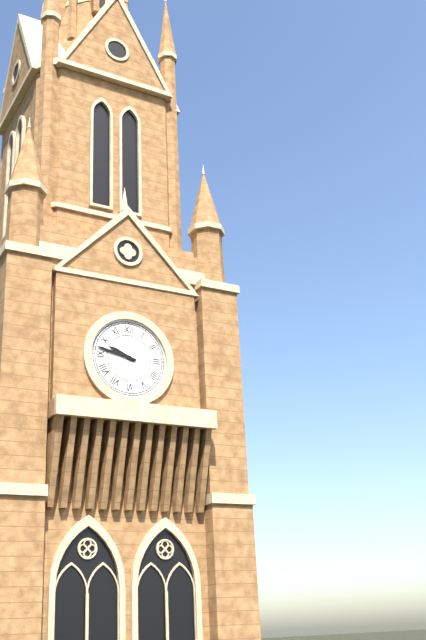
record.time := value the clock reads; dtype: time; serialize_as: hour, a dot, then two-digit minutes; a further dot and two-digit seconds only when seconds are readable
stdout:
9.47
